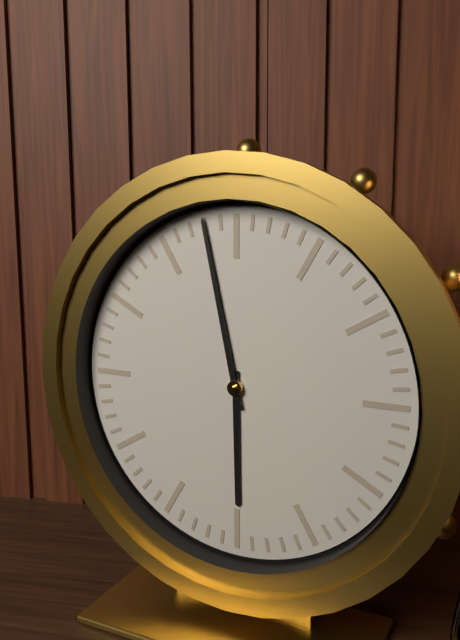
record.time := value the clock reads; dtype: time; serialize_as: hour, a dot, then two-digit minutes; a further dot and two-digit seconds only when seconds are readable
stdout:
5.58
